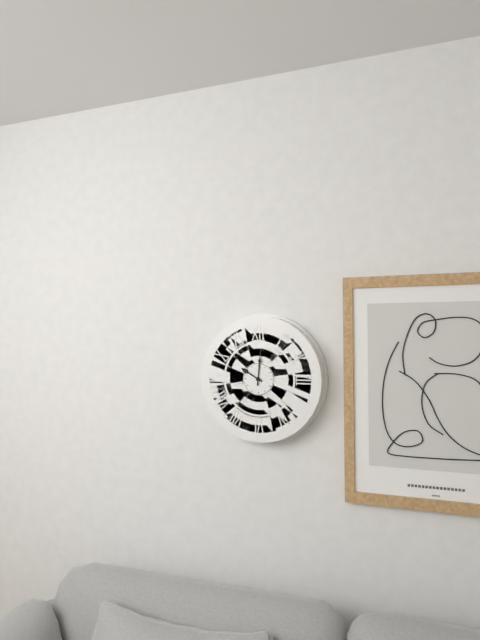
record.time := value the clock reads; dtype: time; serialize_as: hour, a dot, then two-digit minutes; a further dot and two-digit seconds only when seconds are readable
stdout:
10.01
